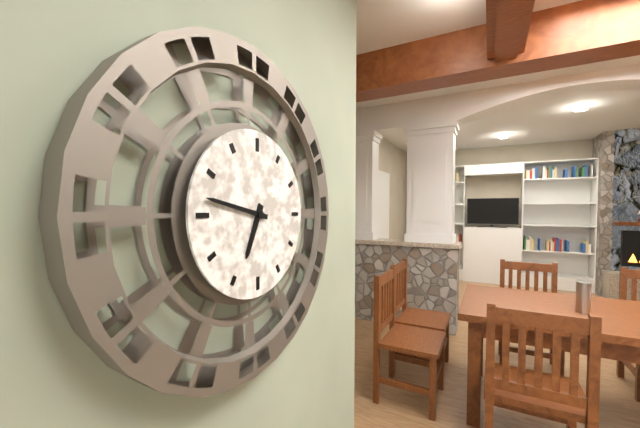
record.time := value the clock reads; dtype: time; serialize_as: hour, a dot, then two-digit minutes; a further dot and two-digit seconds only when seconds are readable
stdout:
6.47
